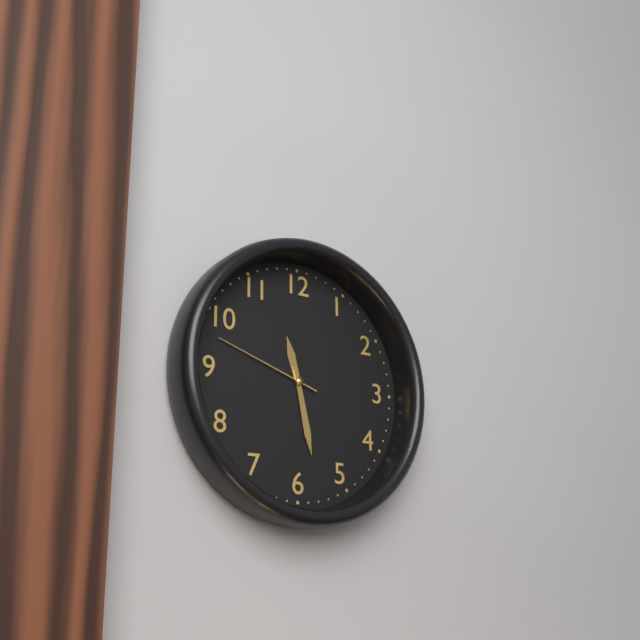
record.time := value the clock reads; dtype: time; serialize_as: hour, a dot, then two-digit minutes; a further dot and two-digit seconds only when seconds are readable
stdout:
11.28.48
